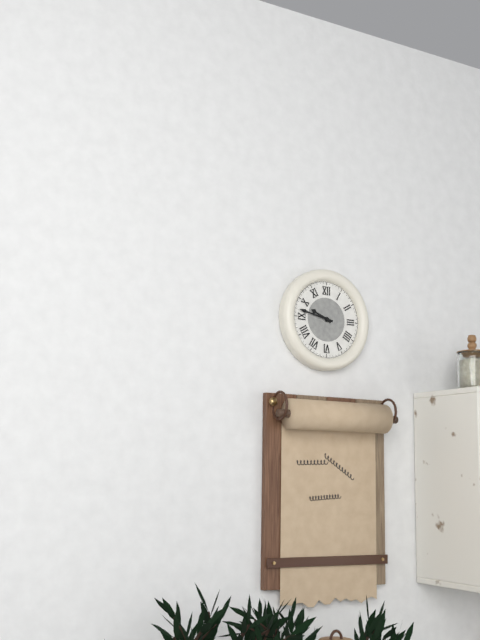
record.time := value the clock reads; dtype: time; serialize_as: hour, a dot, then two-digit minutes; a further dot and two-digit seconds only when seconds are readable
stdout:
9.47
